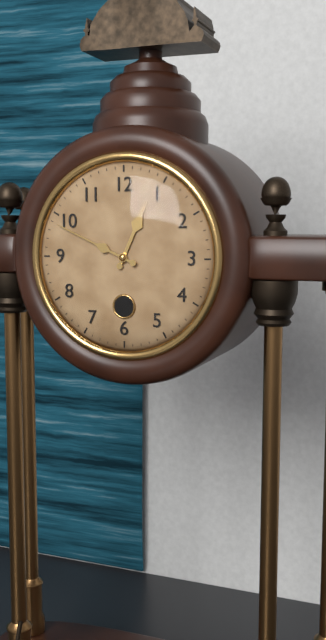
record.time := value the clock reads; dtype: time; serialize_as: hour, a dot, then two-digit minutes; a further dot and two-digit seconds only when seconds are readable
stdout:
12.49
